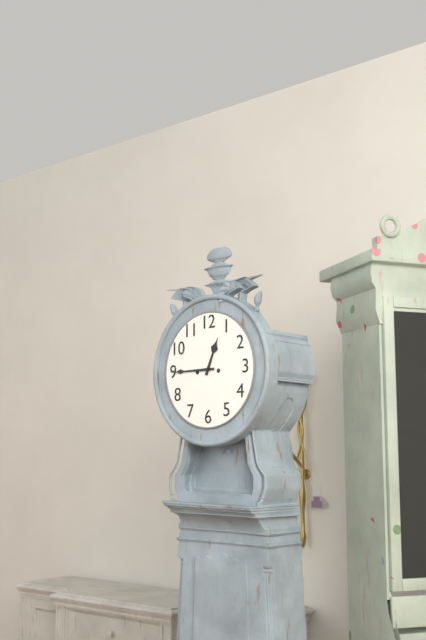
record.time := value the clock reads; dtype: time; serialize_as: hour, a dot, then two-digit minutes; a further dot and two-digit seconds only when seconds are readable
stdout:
12.45
